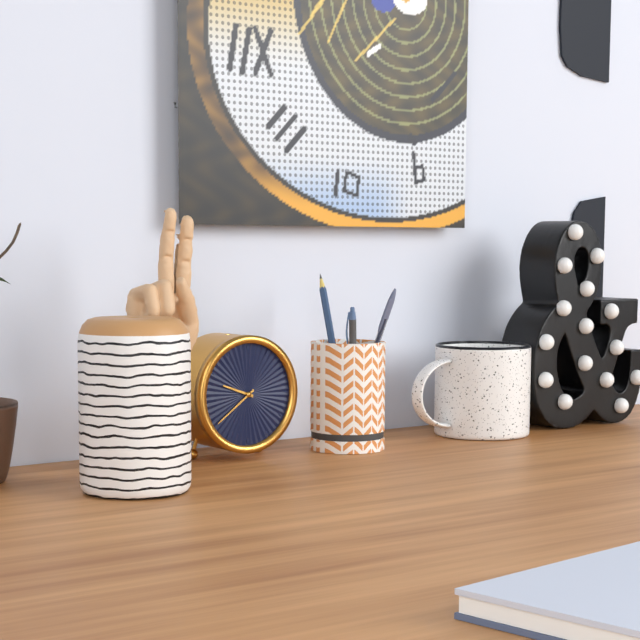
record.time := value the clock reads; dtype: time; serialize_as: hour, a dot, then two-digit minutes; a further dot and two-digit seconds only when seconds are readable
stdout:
9.39
